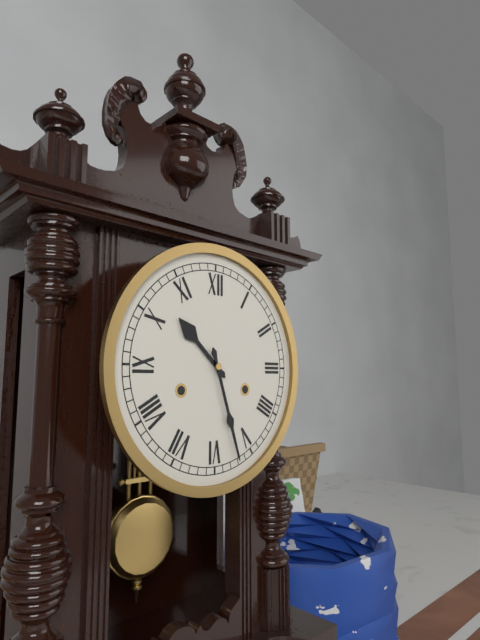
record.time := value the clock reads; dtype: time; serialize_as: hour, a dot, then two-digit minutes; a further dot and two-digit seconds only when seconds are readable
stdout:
10.27
